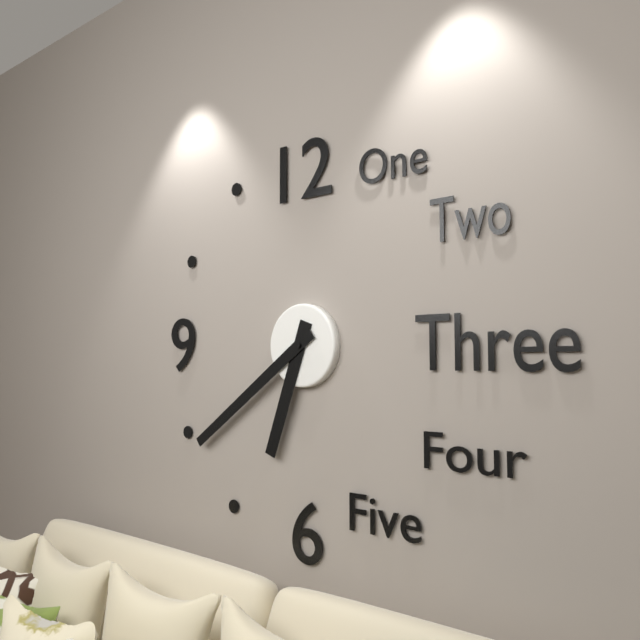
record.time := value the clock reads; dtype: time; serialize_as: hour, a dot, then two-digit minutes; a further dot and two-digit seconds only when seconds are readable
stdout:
6.39
